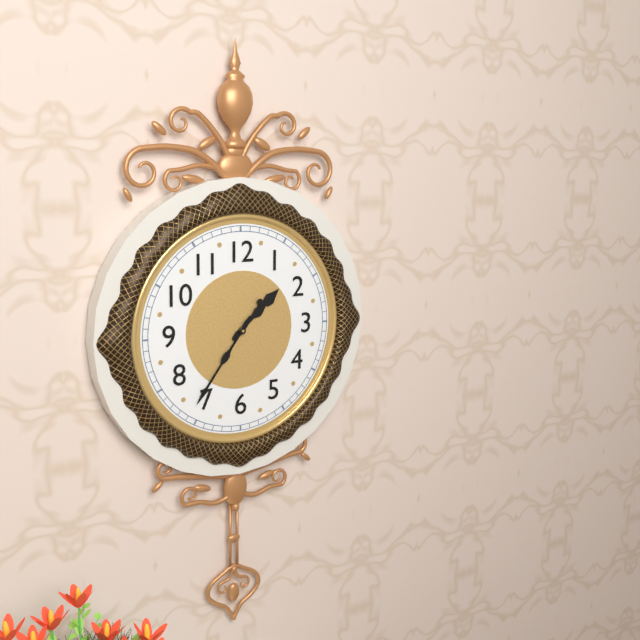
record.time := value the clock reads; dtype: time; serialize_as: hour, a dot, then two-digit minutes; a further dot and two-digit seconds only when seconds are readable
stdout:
1.36.36
